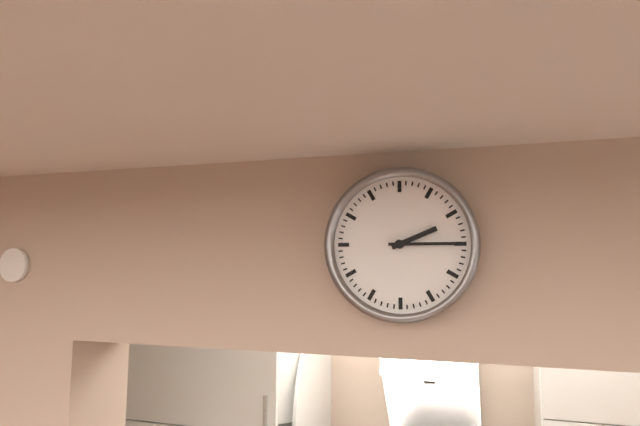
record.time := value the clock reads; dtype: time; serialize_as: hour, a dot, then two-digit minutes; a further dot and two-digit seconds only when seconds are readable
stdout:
2.15
